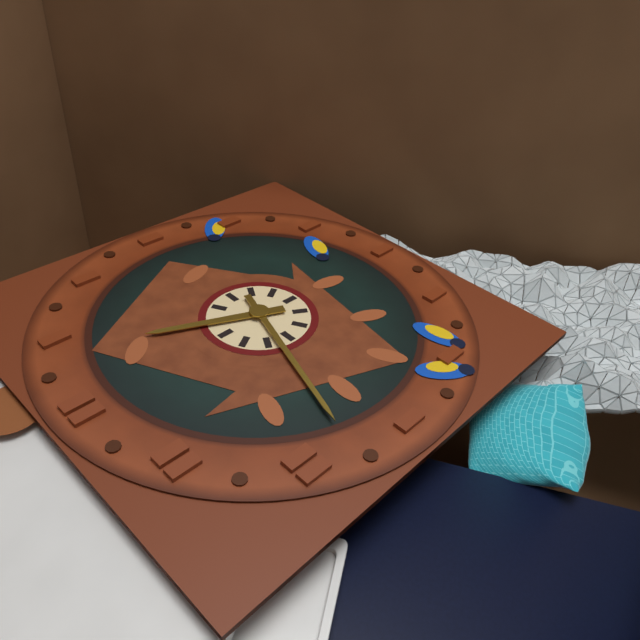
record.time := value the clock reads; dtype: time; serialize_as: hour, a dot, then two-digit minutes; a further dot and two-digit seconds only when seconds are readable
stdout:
12.48
